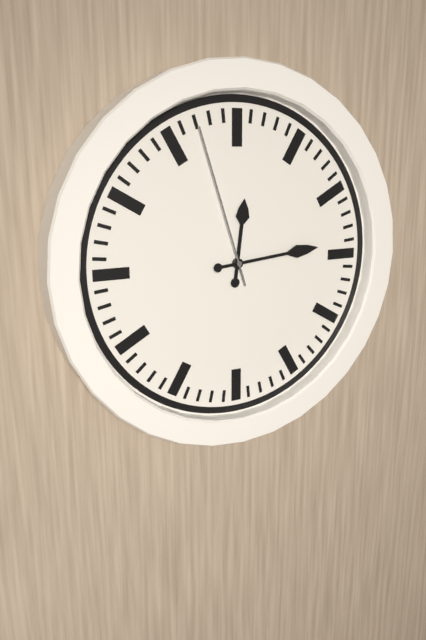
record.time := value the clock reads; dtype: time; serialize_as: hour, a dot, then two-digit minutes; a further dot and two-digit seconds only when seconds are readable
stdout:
12.14.57
